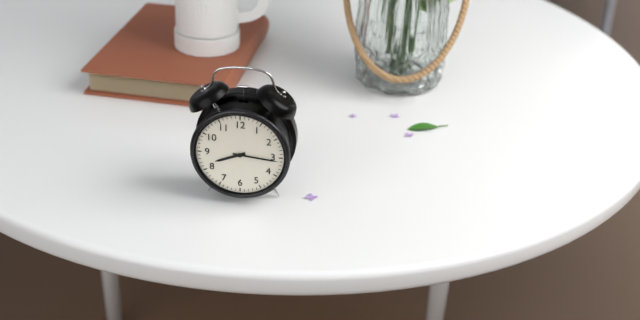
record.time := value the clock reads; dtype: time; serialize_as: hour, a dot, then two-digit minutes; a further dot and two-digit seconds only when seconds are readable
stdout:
8.16
